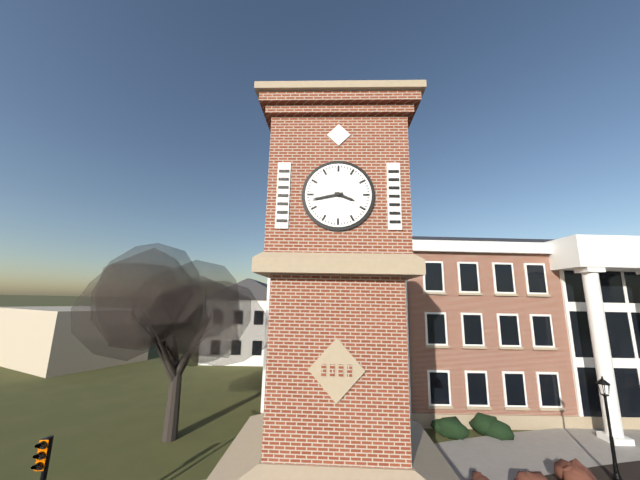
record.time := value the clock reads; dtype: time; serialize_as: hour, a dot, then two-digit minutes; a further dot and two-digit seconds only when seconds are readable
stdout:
3.43
